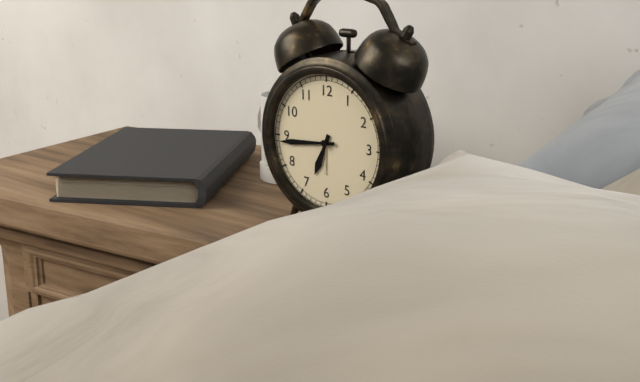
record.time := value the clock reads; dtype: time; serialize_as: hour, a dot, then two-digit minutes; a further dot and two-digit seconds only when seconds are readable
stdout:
6.44
